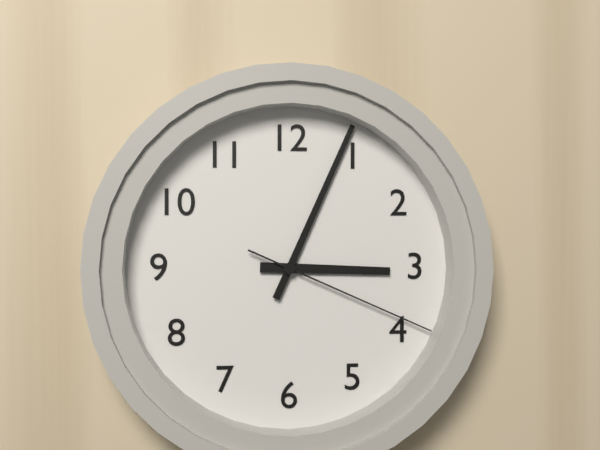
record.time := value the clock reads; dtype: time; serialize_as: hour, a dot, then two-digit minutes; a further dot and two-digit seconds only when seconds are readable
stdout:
3.04.19
